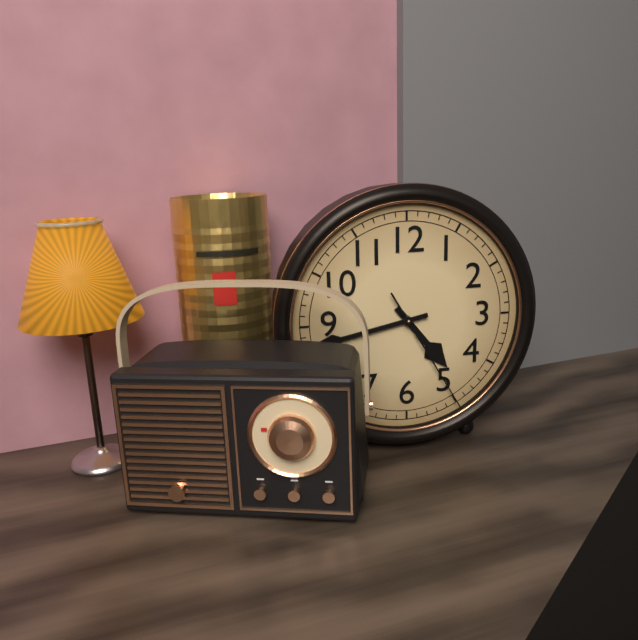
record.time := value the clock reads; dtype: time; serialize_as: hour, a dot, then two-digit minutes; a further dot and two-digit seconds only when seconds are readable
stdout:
4.43.25
